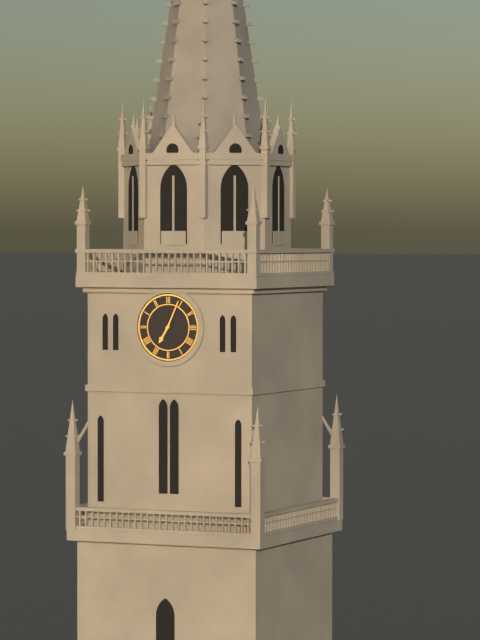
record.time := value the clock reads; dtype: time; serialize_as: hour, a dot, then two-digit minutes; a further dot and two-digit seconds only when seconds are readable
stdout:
7.04
